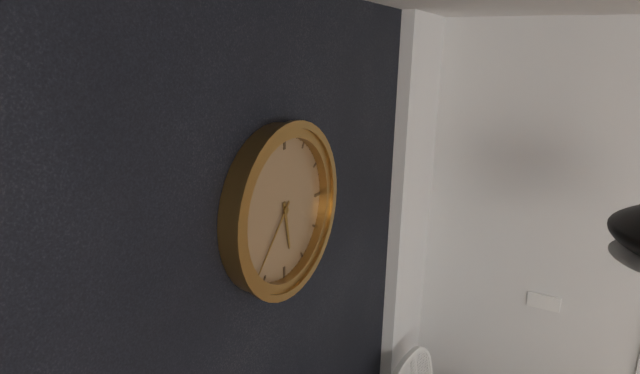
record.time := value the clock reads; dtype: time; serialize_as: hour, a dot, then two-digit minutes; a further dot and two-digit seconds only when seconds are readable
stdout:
5.37
